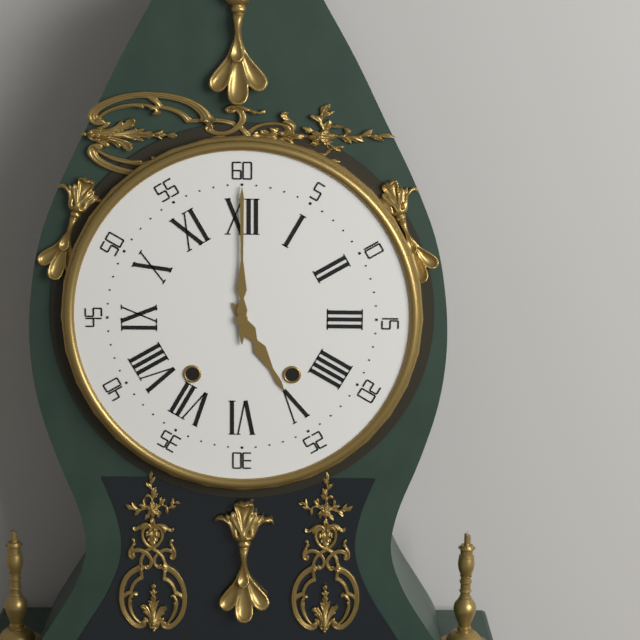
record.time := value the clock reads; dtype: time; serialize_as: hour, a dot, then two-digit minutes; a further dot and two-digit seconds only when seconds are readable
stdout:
5.00
